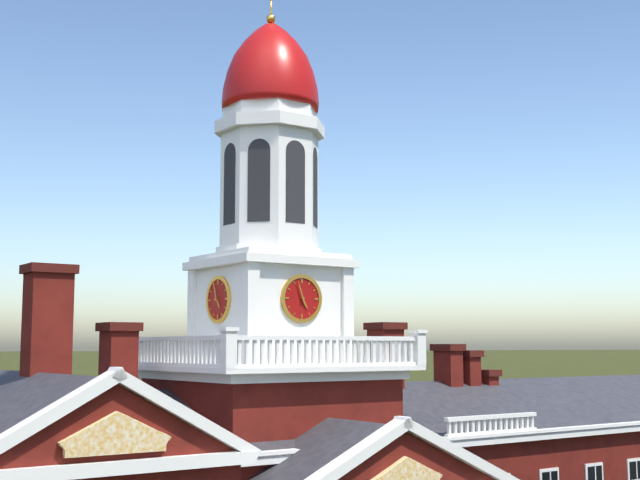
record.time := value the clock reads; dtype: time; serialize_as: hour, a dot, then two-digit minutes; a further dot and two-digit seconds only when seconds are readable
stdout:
4.57
